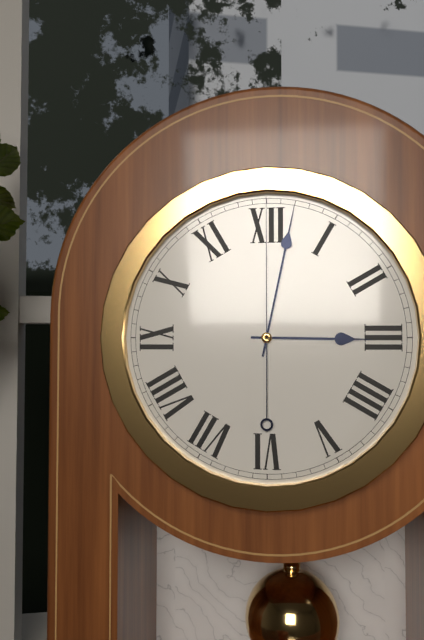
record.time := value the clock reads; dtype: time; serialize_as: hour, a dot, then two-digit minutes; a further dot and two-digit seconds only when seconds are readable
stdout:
3.02.00
